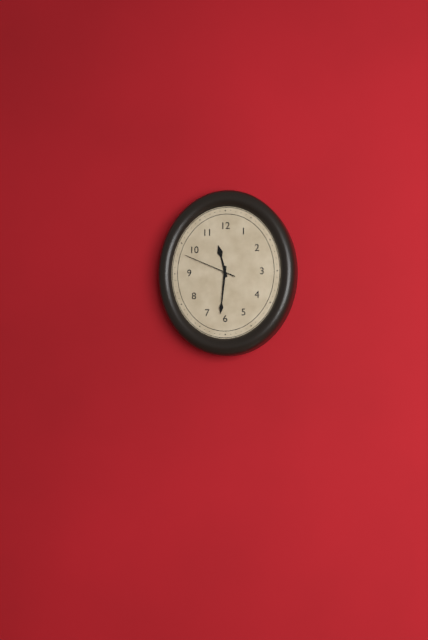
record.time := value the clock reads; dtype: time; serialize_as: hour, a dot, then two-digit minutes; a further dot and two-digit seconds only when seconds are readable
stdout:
11.31.49
